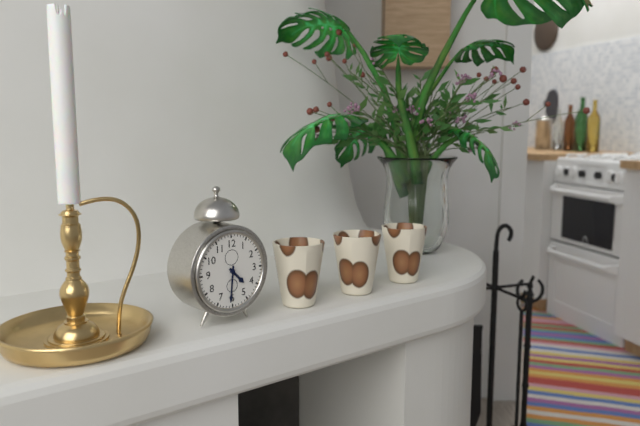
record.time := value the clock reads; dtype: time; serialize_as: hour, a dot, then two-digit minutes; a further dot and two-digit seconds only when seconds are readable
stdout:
4.31
